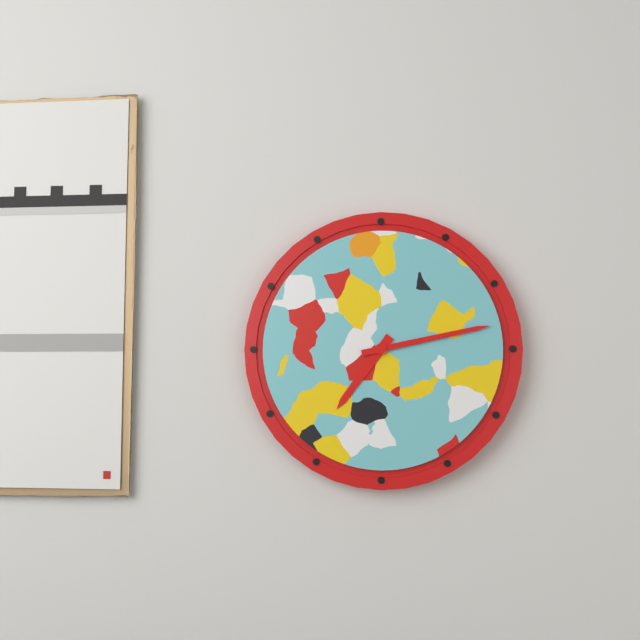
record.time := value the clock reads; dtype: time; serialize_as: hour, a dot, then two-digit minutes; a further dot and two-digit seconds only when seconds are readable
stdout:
7.13
